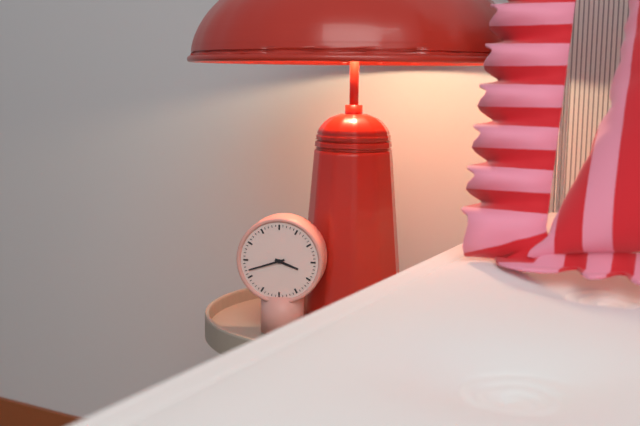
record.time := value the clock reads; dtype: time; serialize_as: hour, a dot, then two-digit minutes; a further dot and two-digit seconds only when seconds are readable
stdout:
3.42
